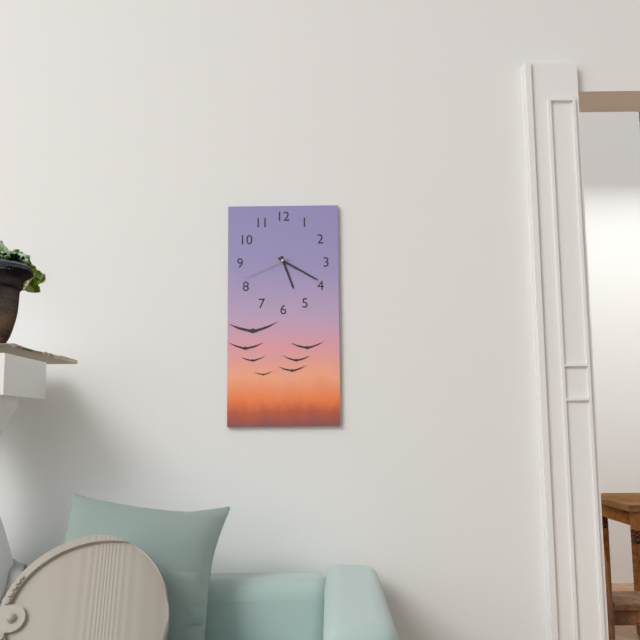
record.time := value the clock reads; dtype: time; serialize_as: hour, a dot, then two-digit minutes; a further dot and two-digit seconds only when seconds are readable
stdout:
5.20.41
